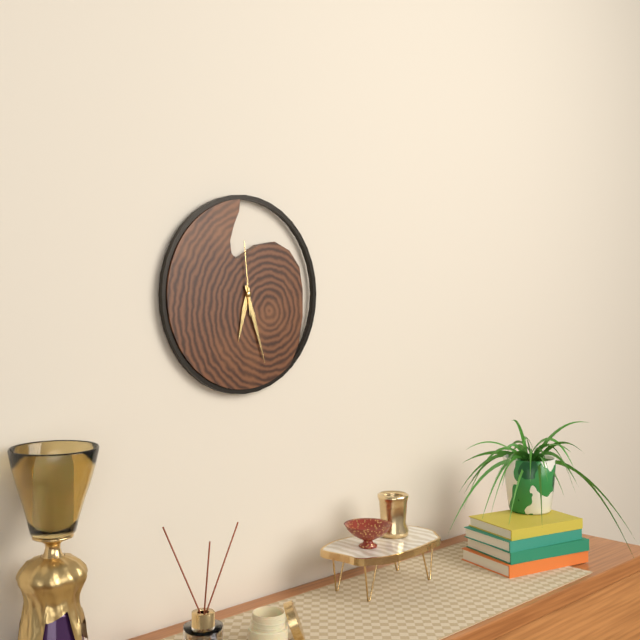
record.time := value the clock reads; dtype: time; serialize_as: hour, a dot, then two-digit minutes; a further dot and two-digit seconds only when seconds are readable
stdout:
6.27.59
